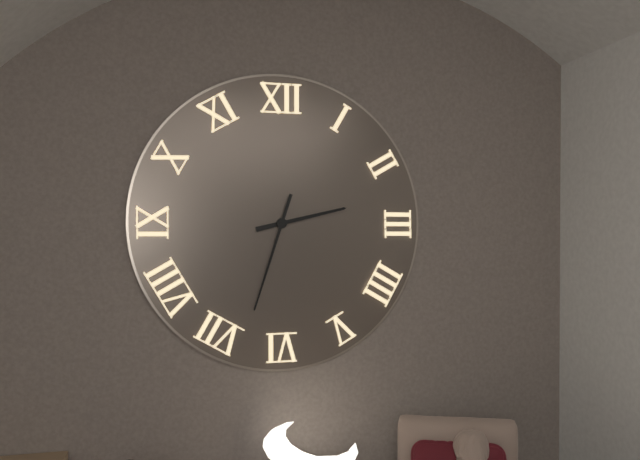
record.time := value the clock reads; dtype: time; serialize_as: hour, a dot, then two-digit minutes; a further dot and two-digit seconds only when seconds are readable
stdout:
2.33
